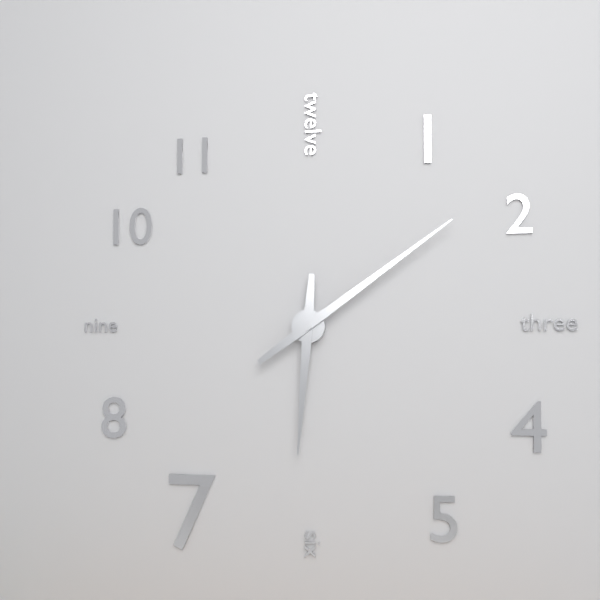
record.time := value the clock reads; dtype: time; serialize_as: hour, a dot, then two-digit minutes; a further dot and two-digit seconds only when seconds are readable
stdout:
6.09
